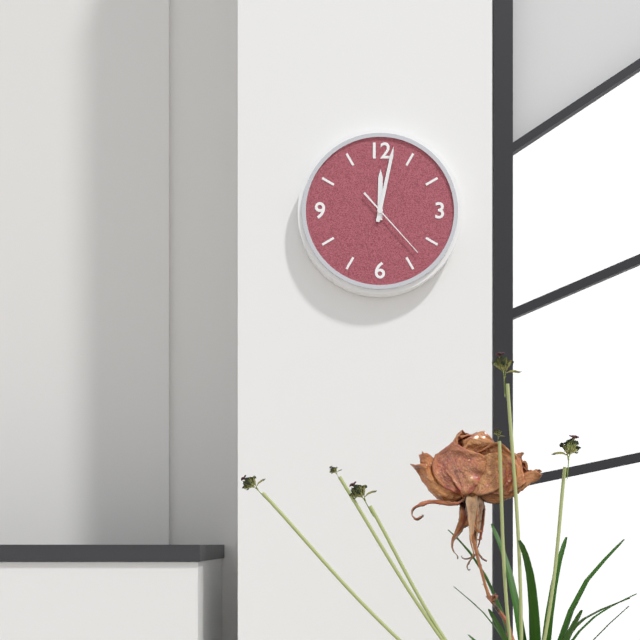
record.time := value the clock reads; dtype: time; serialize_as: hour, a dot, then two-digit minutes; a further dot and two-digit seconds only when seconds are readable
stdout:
12.02.23
